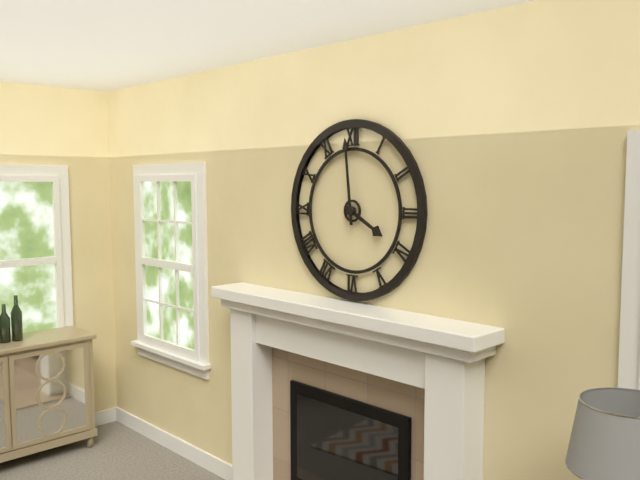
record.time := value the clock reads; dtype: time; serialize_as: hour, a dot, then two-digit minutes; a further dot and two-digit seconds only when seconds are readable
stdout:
3.59
